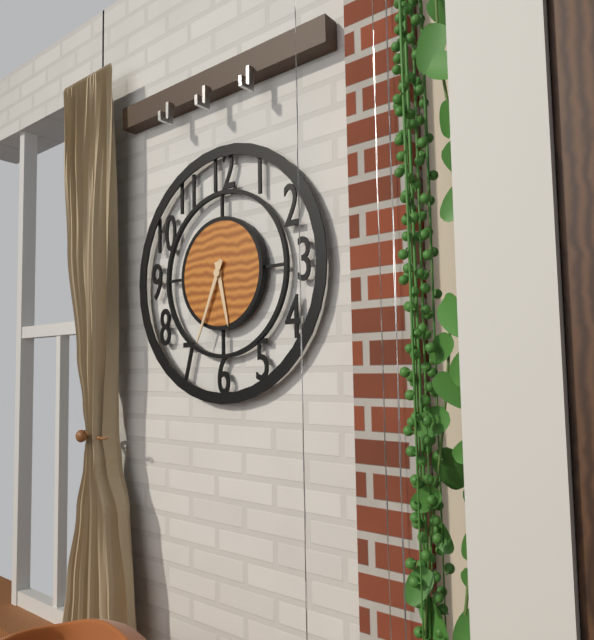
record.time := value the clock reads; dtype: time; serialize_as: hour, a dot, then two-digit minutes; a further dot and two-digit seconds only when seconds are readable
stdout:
5.34
